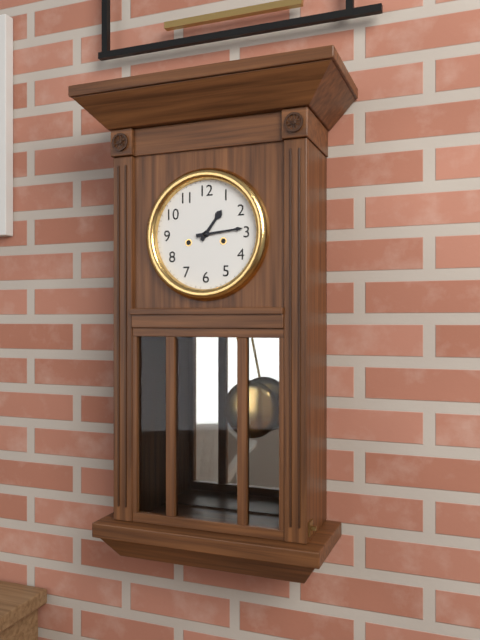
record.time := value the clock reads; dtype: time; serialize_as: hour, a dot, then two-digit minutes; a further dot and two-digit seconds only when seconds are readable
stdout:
1.14
